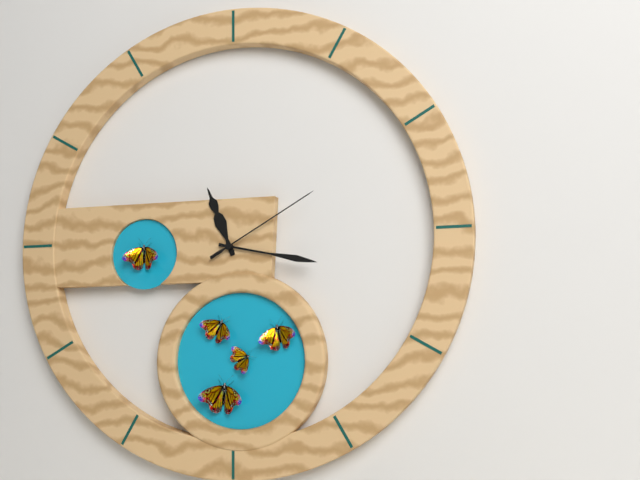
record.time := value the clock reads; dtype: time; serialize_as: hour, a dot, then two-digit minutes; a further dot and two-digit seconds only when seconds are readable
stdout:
11.17.10
